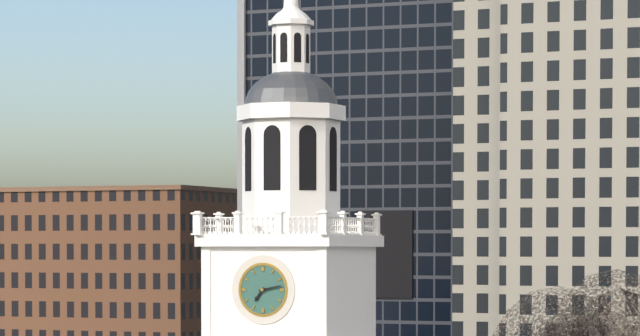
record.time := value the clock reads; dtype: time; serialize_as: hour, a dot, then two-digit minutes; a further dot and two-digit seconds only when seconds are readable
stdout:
7.13
